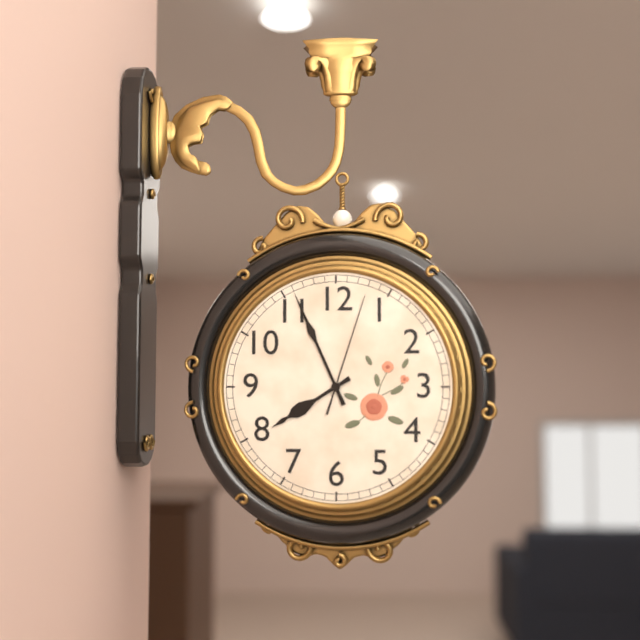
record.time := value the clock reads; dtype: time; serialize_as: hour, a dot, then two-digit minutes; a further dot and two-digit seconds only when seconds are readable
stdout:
7.56.03
